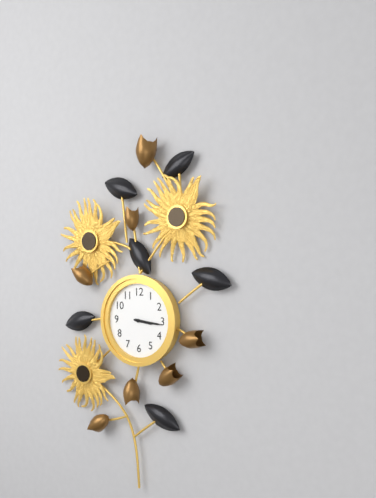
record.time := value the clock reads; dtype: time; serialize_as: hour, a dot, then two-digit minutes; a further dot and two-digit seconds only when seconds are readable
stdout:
3.16
